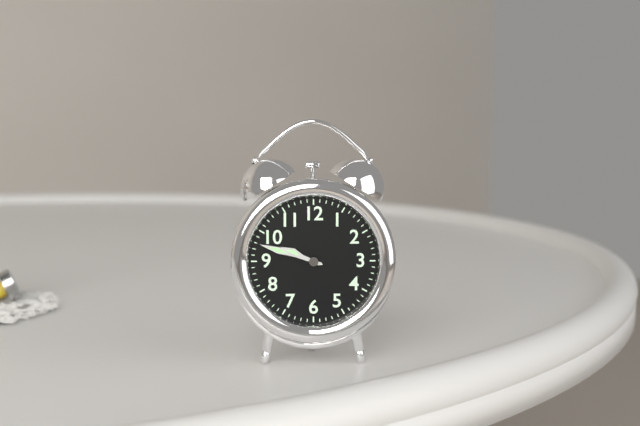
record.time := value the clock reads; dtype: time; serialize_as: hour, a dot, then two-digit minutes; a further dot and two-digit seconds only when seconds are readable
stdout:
9.48
